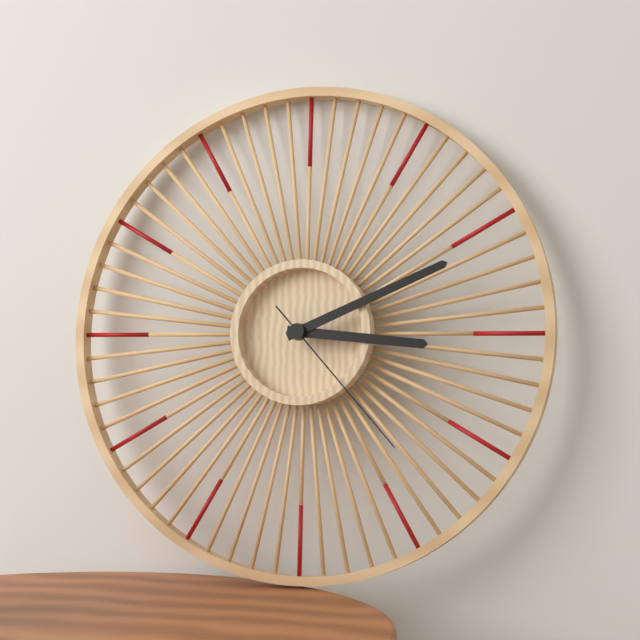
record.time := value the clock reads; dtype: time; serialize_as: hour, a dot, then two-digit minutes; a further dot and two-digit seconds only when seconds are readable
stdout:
3.11.23
